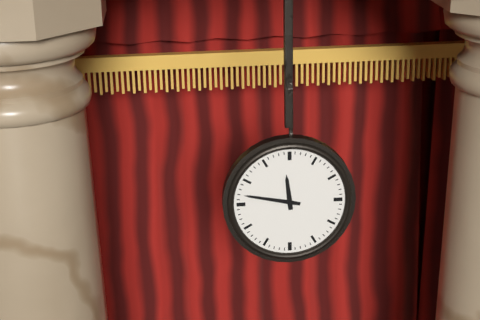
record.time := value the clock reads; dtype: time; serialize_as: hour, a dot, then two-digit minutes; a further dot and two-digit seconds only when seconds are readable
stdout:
11.47
